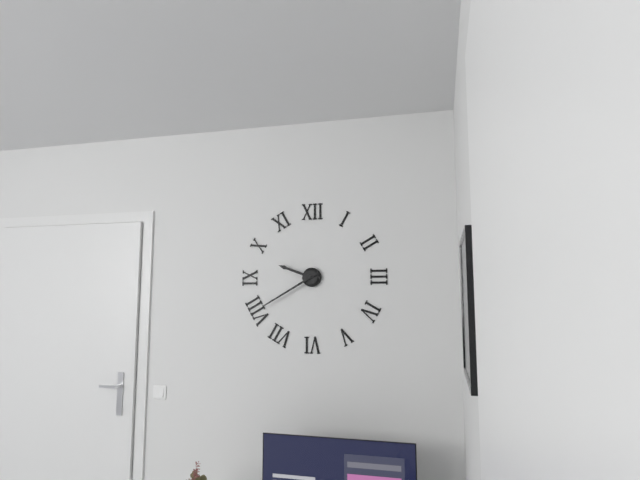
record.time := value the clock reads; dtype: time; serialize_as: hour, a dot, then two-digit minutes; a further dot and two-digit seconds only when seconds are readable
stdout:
9.40
